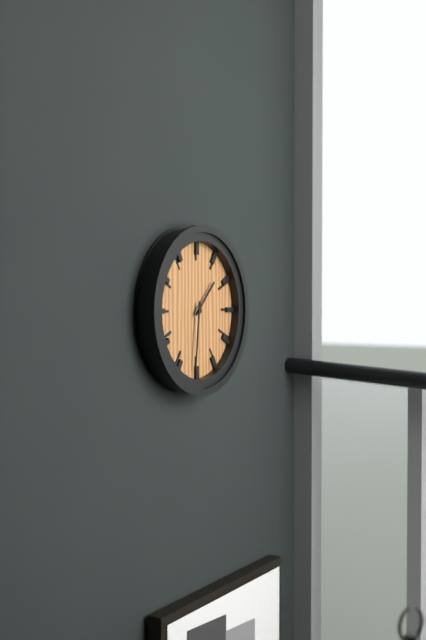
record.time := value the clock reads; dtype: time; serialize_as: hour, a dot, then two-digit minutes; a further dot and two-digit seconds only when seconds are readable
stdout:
1.31
